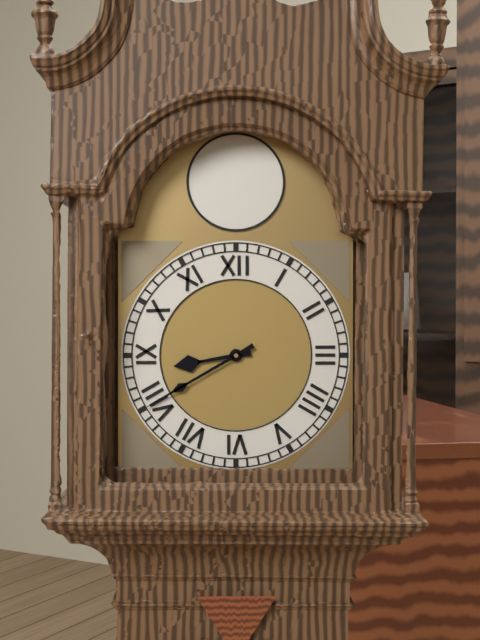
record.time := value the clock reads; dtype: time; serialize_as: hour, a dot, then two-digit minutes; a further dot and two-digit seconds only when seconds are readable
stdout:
8.40
